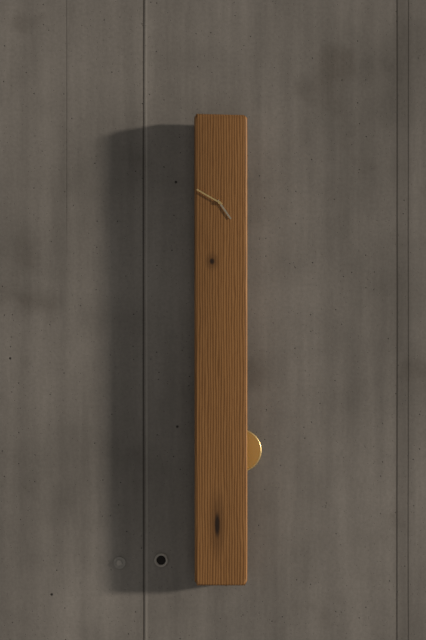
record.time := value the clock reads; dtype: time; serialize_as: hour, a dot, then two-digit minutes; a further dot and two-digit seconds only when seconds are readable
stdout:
4.50
